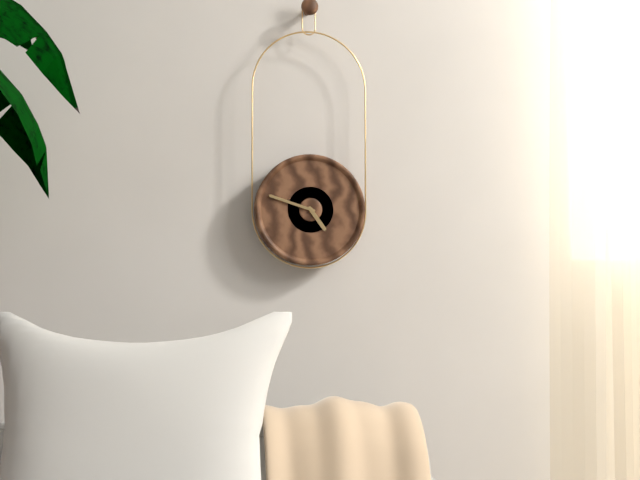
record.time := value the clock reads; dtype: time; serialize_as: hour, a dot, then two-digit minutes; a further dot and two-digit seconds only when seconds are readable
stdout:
4.48
